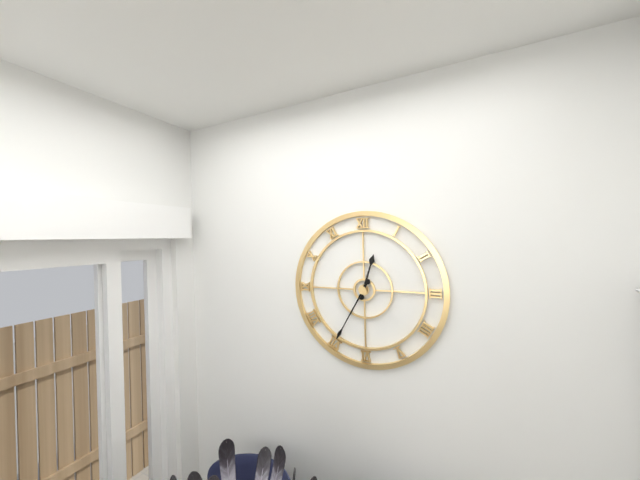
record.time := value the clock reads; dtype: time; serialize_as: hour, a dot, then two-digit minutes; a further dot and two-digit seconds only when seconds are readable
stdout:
12.35
